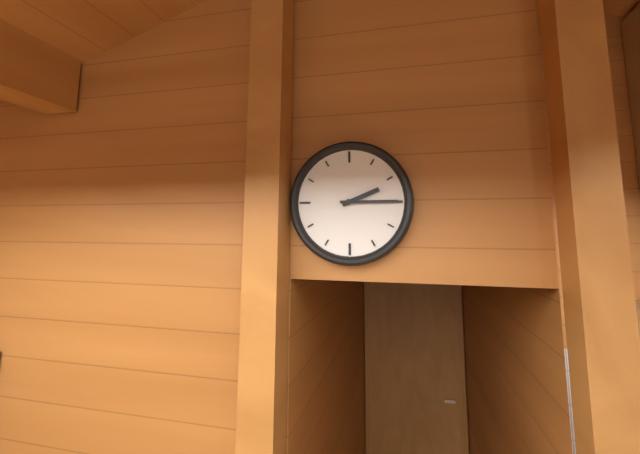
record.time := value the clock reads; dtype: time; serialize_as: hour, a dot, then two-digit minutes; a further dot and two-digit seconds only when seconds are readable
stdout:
2.15
